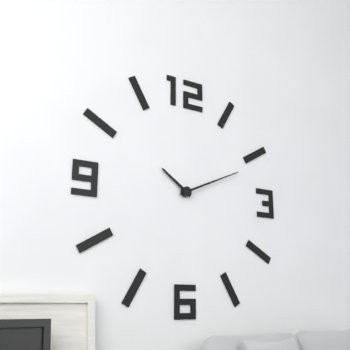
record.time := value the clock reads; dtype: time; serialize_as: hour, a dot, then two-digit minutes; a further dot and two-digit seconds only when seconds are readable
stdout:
10.11
